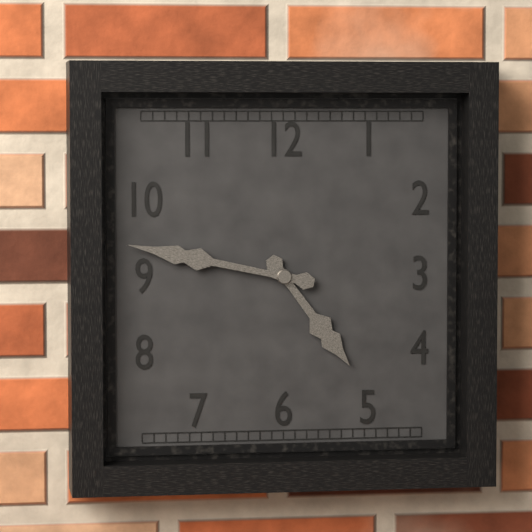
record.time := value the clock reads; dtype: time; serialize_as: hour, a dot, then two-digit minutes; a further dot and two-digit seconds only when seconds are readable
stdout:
4.47
